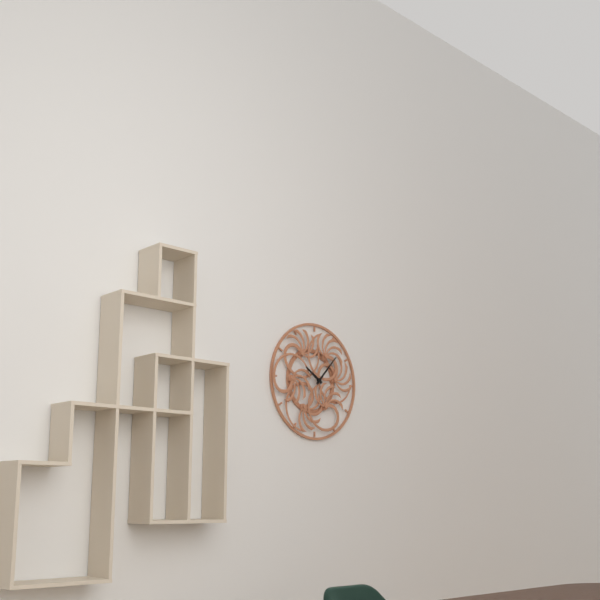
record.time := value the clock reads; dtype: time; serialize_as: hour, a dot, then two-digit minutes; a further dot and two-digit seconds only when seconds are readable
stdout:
10.07
